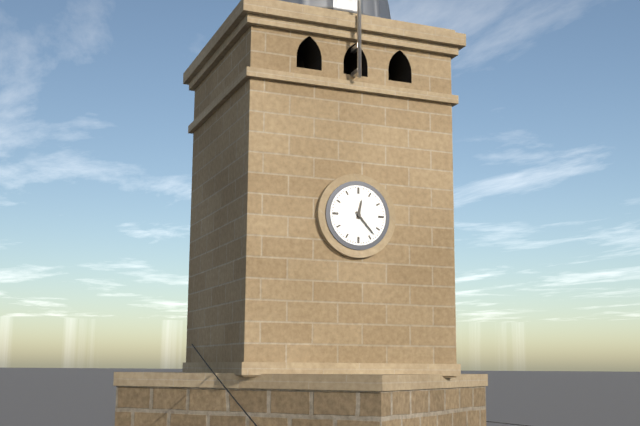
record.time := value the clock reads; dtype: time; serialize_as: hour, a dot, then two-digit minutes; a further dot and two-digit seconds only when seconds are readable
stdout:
12.23
